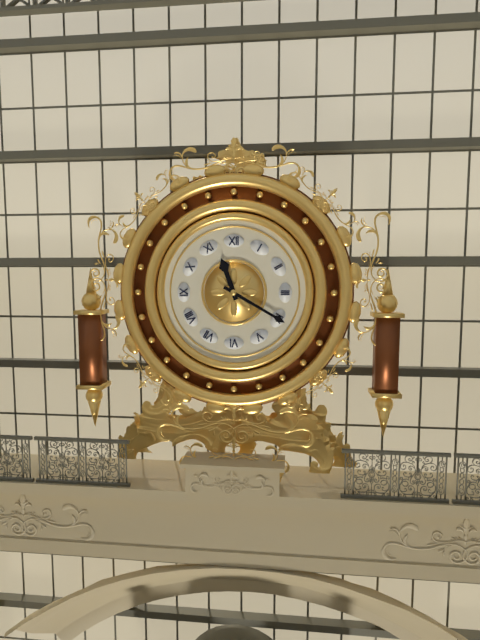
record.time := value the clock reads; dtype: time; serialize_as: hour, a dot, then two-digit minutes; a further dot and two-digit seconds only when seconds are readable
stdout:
11.20
